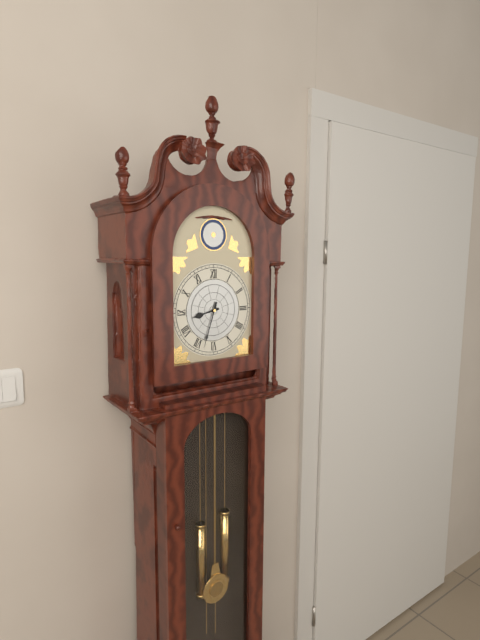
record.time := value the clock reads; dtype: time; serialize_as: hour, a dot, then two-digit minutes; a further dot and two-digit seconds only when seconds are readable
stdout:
8.33
